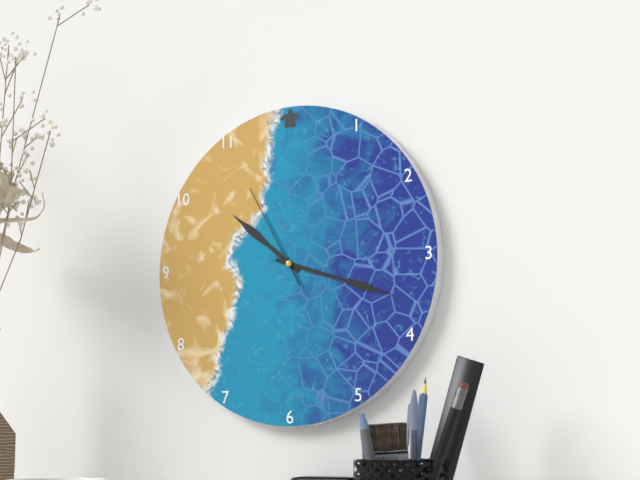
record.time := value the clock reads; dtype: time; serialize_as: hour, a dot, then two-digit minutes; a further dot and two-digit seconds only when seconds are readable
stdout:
10.18.55
